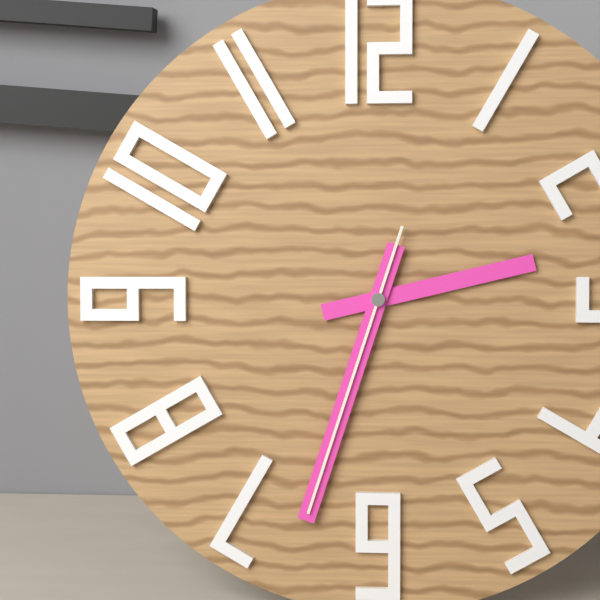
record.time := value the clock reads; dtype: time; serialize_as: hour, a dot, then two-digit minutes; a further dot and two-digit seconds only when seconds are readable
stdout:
2.33.33
